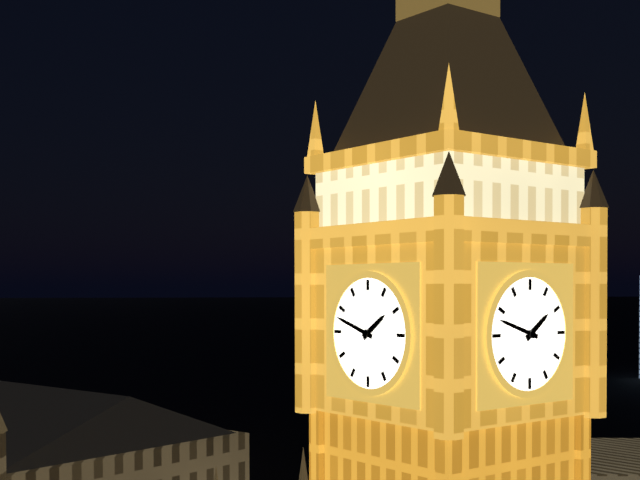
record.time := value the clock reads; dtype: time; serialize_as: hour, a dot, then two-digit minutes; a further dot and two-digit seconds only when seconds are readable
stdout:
1.48
